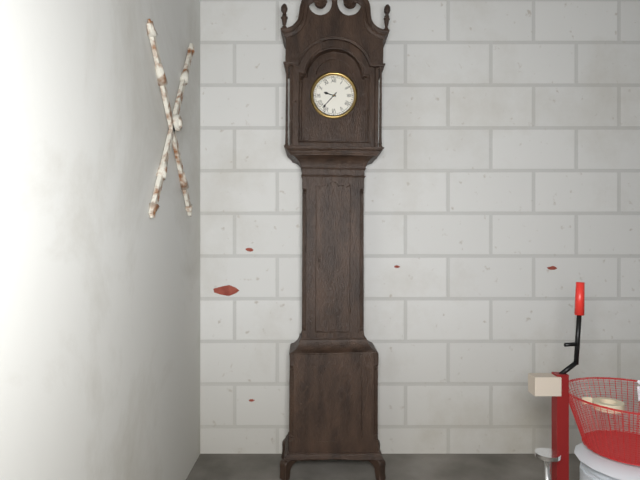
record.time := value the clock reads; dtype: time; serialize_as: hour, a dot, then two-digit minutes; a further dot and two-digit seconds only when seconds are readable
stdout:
9.37
